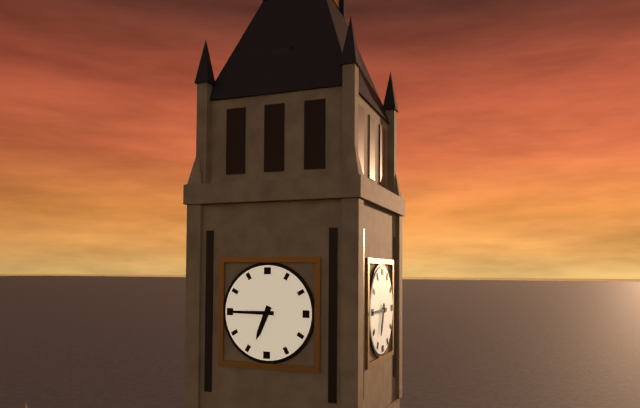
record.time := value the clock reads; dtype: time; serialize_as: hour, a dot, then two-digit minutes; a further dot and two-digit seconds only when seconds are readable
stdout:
6.45
